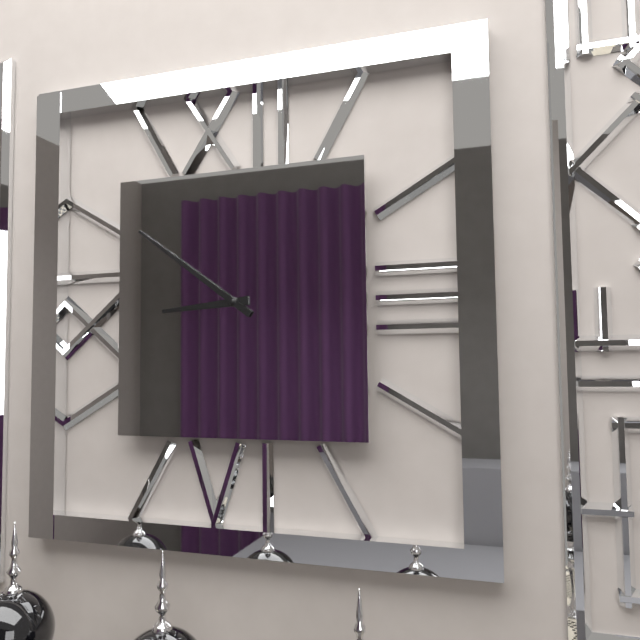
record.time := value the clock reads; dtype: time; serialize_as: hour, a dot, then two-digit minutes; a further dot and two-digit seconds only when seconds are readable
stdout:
8.51
